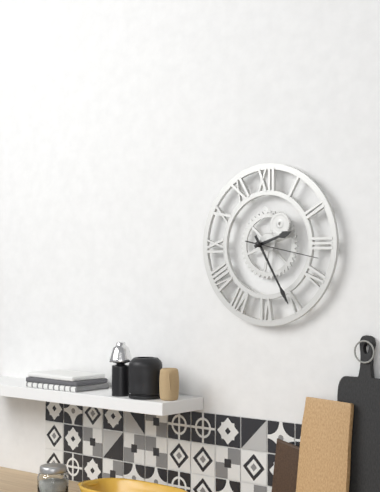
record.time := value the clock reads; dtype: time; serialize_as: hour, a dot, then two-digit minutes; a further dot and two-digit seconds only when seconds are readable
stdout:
2.25.17
